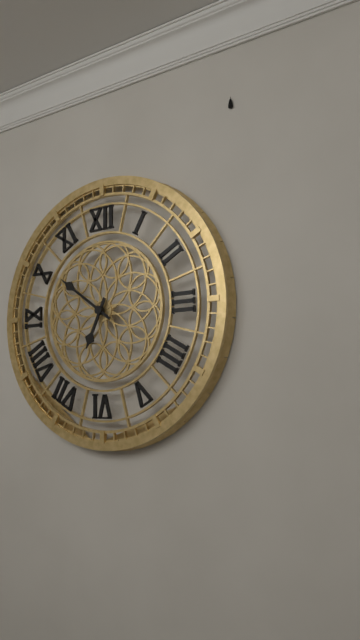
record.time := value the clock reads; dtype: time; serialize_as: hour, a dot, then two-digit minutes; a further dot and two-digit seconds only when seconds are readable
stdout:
6.51
